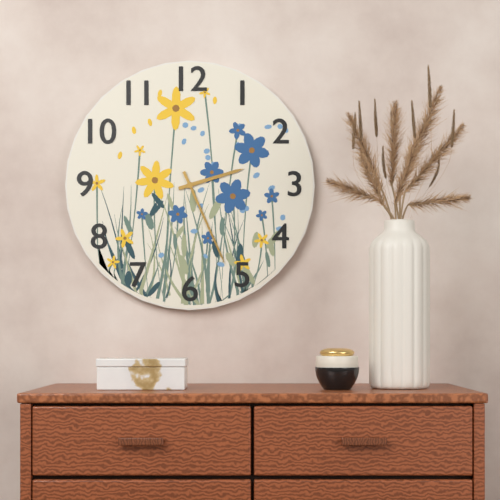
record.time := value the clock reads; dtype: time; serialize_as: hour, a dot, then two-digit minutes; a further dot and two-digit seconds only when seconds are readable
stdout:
2.26
